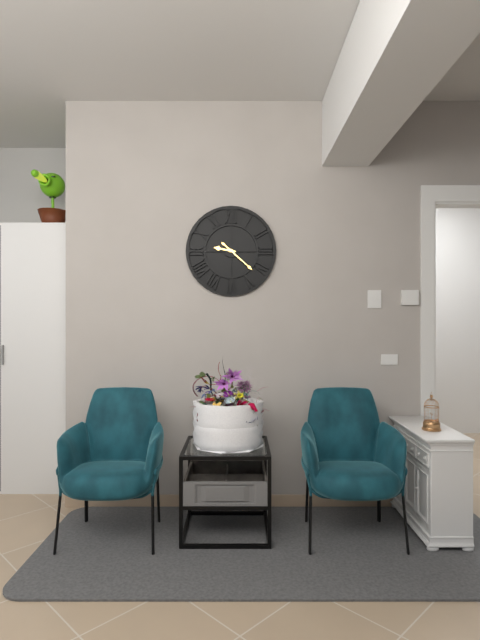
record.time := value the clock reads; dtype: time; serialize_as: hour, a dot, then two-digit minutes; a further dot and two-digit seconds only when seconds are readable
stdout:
9.22
